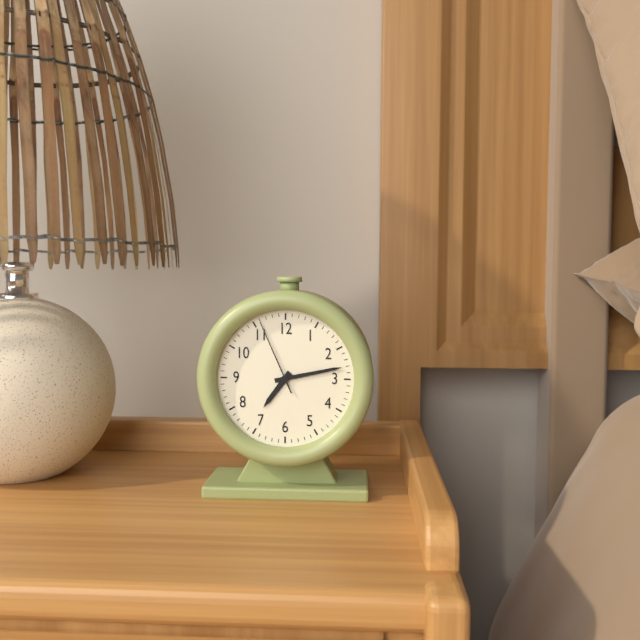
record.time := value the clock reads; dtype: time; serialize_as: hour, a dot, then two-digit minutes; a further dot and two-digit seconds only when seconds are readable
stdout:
7.13.56
